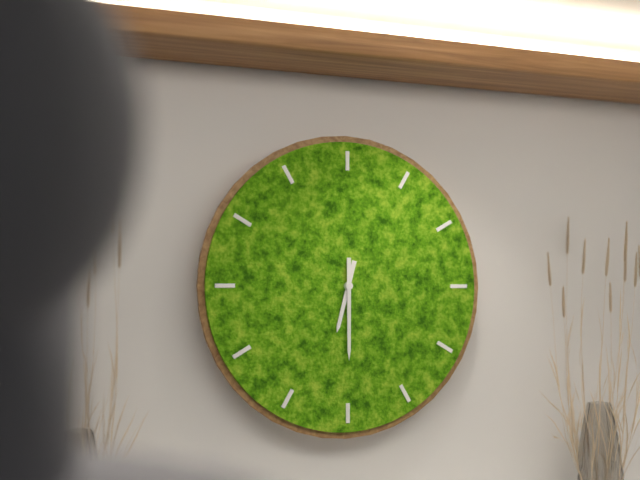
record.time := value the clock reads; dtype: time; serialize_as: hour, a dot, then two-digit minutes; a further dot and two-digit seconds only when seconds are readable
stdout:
6.30
